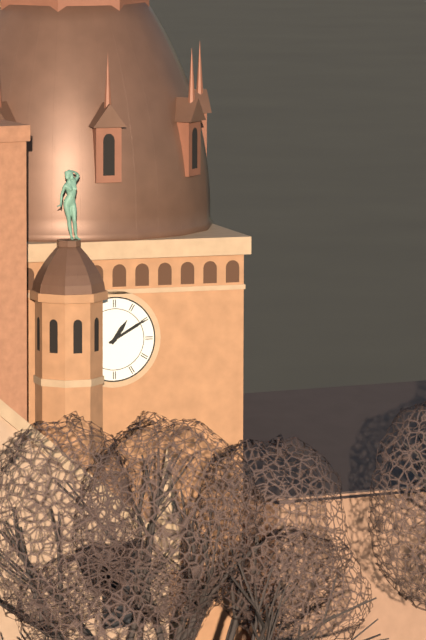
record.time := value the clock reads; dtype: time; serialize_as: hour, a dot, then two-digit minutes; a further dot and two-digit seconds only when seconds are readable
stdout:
1.10
